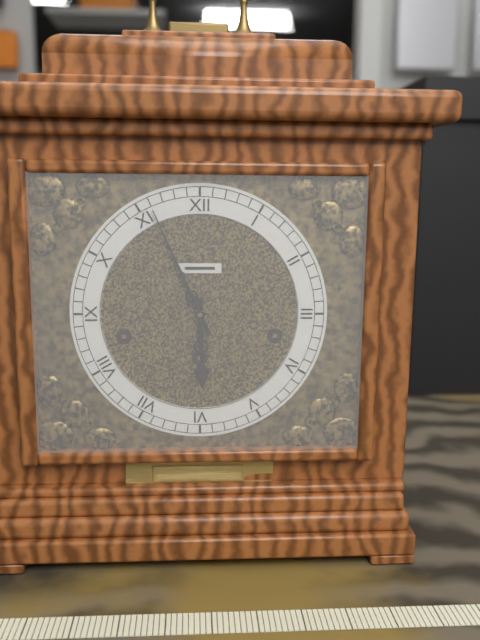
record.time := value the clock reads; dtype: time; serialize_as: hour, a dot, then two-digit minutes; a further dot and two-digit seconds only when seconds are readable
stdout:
5.56
